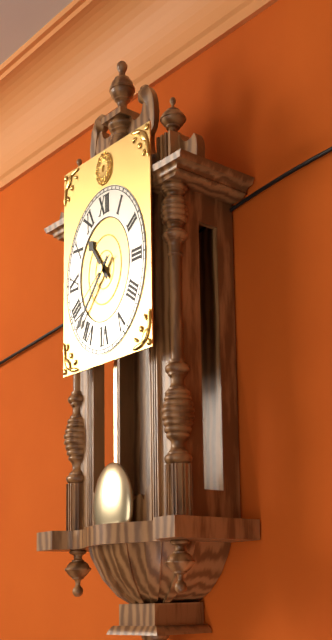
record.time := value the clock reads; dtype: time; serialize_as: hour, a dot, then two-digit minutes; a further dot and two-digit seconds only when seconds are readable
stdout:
10.38.40
